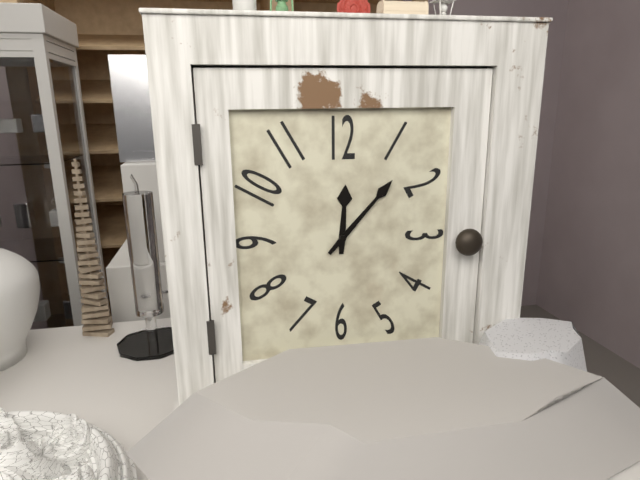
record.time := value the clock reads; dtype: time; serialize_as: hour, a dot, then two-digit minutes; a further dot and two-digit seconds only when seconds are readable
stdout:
12.07
